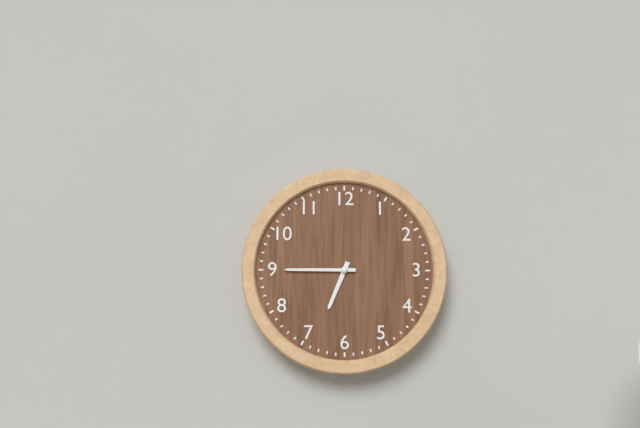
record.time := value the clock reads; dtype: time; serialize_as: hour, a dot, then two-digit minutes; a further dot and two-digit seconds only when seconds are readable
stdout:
6.45
